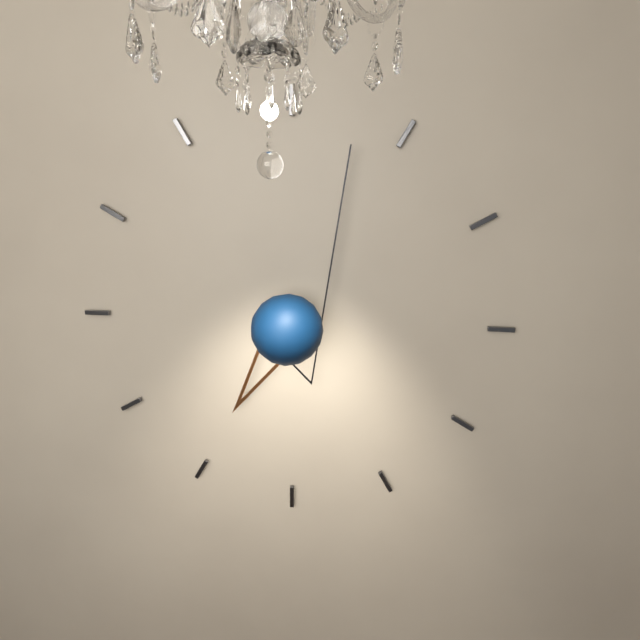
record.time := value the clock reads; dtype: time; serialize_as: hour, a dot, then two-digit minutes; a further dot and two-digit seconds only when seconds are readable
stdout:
7.03
